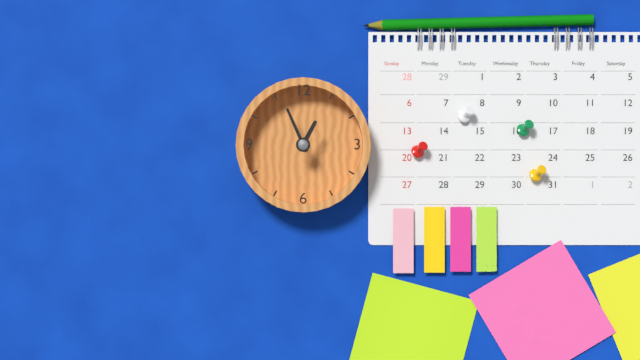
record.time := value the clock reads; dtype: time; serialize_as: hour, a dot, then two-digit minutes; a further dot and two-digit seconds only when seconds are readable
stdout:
12.56
